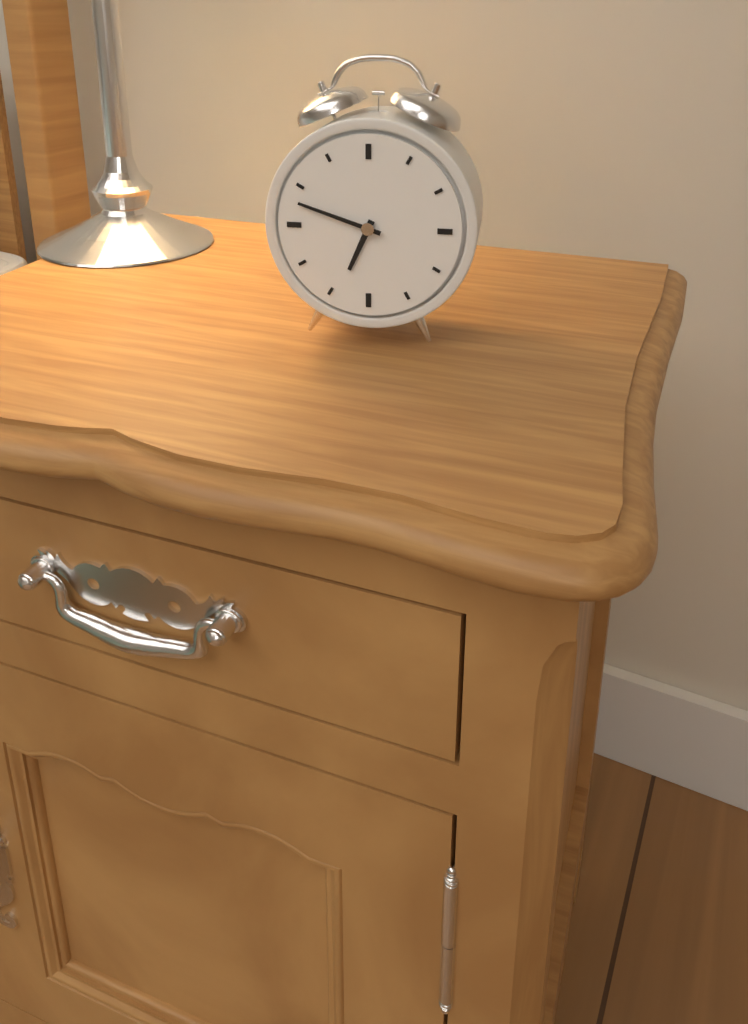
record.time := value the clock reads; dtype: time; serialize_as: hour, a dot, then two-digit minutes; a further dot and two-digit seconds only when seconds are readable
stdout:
6.48
